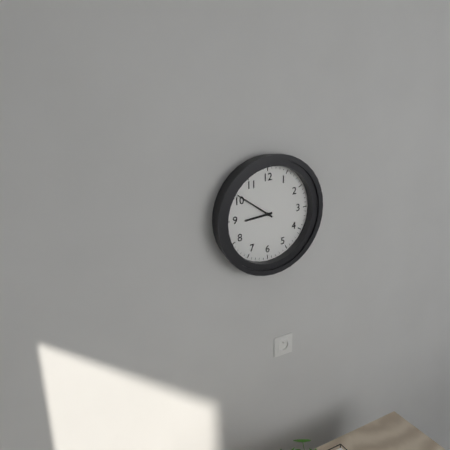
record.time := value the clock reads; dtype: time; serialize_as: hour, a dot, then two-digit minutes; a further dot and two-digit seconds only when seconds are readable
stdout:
8.51
